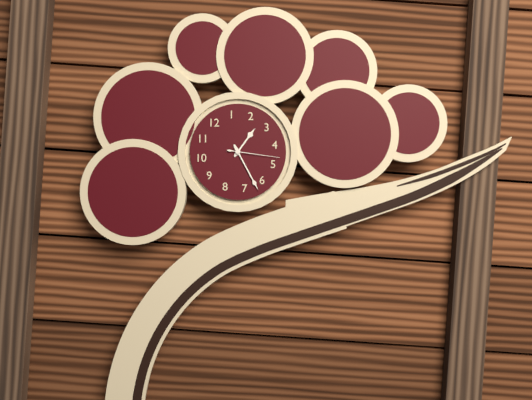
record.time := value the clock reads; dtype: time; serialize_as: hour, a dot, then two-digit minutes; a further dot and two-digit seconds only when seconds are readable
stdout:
2.32.23
